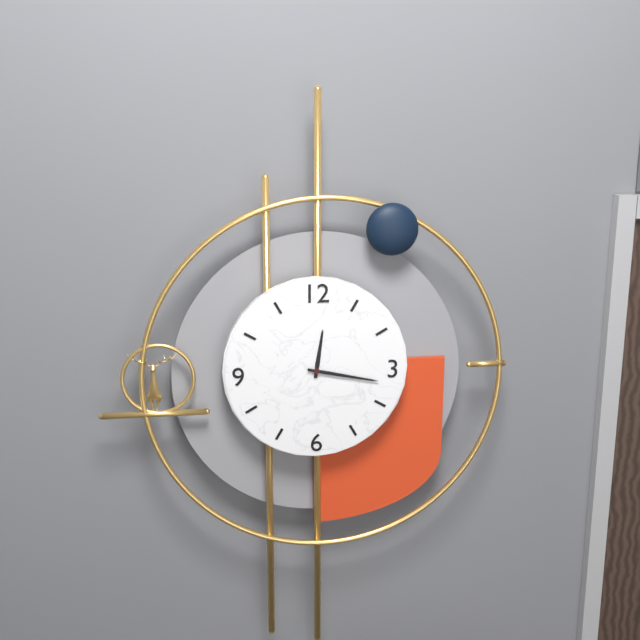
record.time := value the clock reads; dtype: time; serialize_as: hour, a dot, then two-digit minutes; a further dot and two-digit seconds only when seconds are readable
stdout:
12.17
